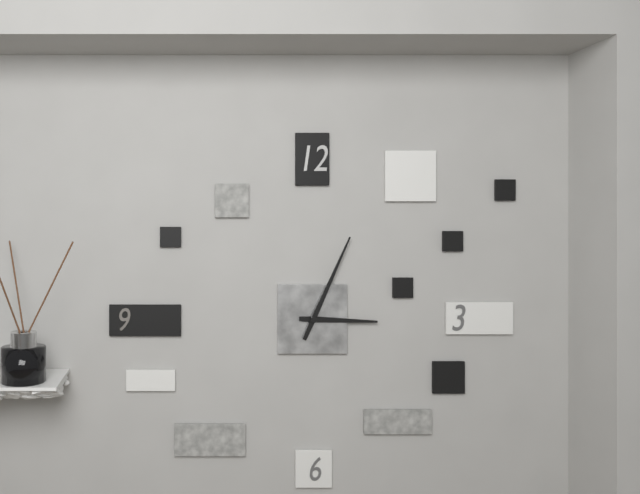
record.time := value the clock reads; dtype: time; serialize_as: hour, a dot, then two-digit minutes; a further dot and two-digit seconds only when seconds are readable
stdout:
3.04
